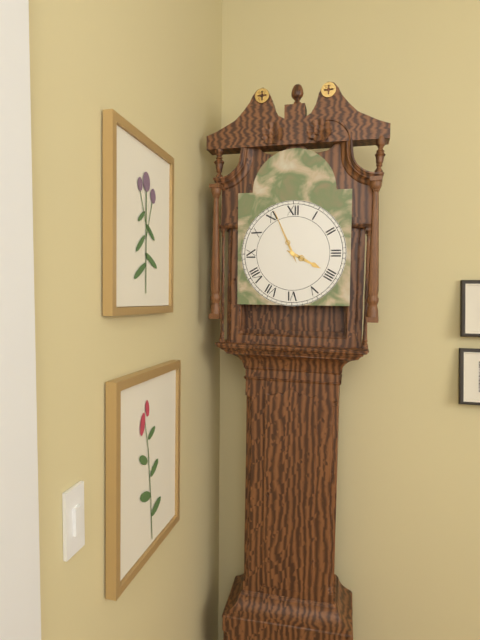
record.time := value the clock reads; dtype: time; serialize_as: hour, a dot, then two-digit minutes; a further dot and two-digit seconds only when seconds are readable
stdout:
3.56
